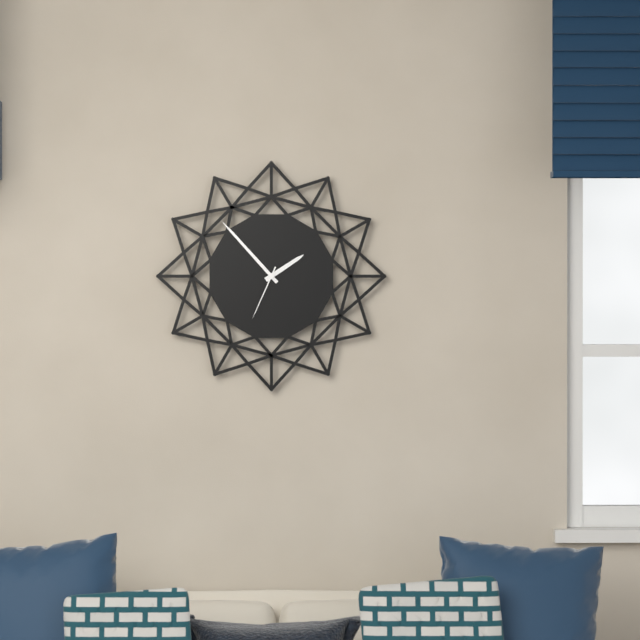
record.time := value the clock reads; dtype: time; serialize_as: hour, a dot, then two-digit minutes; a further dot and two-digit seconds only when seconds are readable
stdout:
1.53.34
